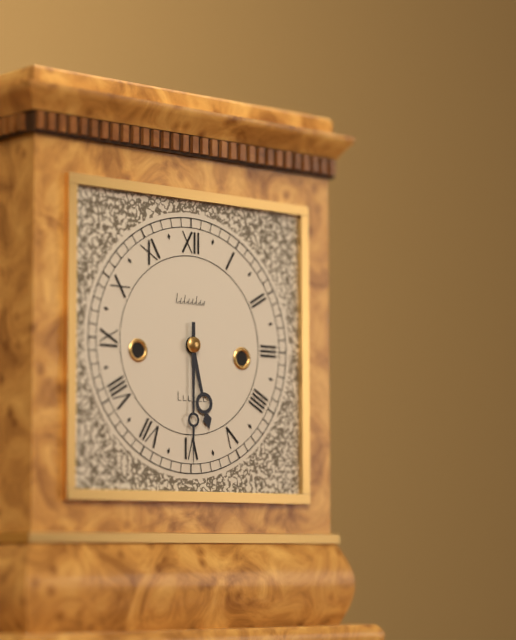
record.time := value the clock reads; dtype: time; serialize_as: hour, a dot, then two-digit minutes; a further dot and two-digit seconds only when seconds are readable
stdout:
5.30
